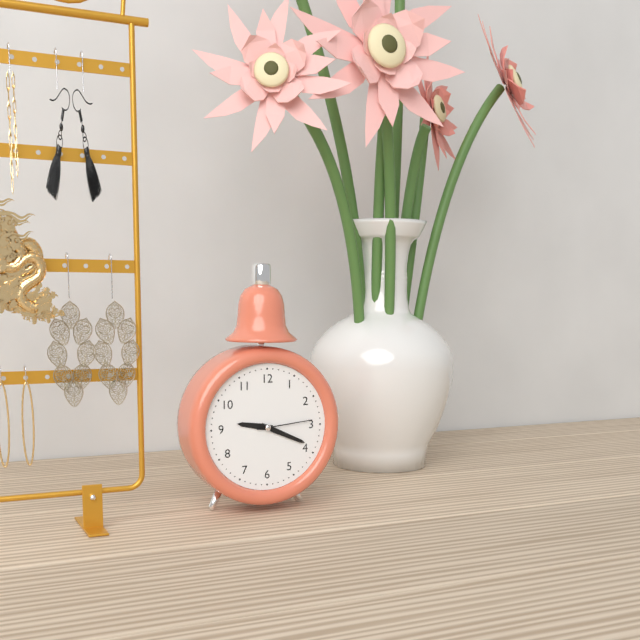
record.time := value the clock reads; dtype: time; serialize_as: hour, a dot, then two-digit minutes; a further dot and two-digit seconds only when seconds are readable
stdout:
9.19.14
